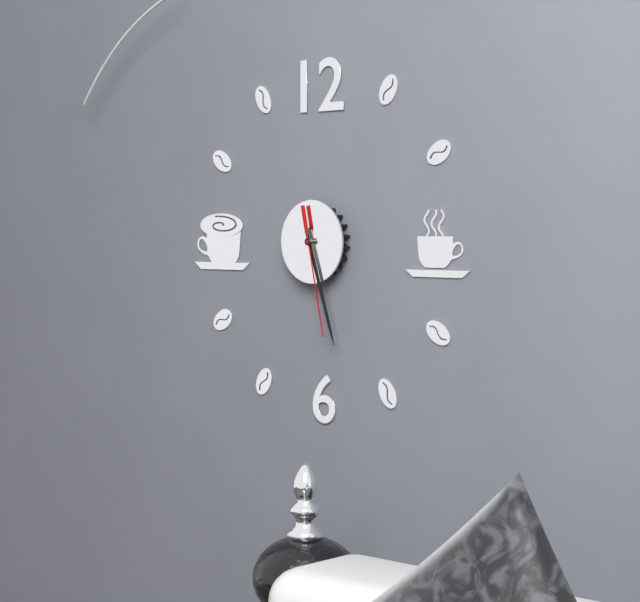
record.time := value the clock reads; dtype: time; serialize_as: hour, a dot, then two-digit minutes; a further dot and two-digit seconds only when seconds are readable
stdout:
5.27.28
